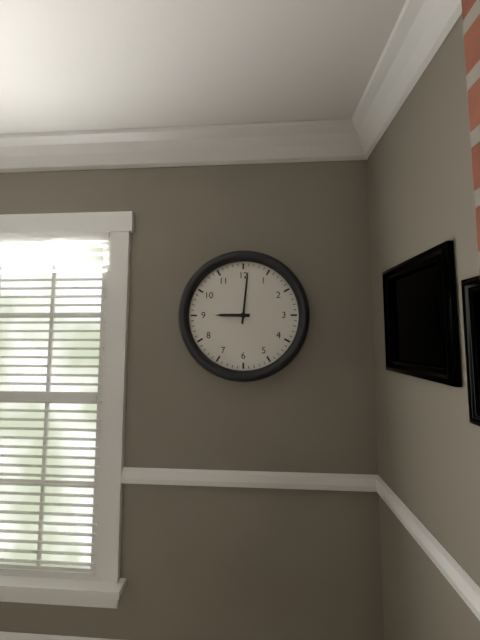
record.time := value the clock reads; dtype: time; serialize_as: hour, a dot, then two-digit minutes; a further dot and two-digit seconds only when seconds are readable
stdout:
9.01
